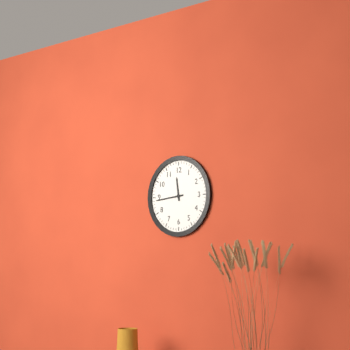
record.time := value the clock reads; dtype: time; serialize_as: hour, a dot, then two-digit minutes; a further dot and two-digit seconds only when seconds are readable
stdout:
11.44
